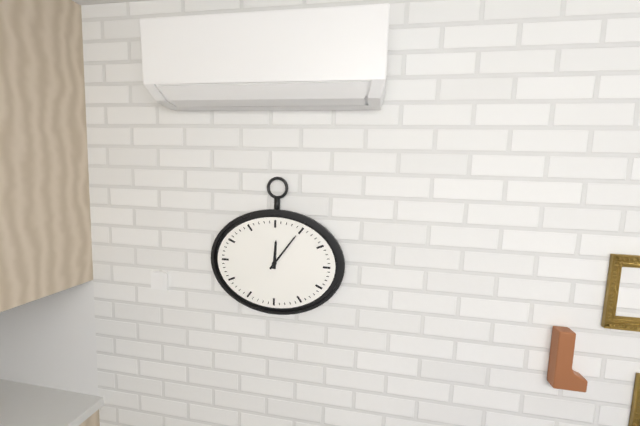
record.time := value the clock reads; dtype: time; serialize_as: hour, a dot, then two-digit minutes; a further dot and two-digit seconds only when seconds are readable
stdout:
12.06
